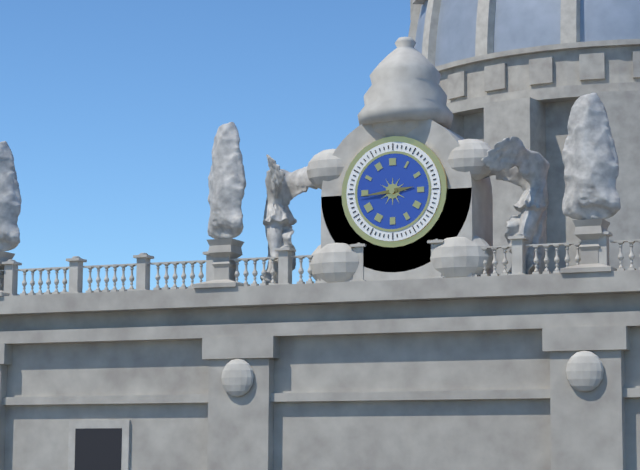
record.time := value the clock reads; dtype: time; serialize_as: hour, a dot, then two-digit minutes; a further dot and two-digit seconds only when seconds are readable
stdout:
2.44
